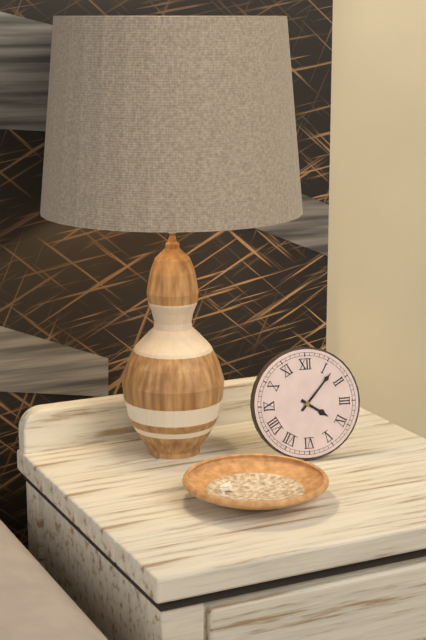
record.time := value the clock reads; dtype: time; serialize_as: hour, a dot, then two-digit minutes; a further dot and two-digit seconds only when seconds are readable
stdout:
4.07
